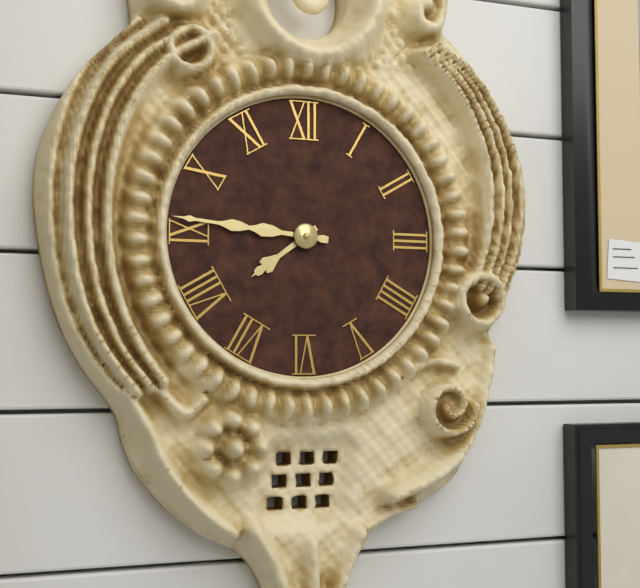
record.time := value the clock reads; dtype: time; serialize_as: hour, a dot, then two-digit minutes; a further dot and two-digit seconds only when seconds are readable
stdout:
7.46
